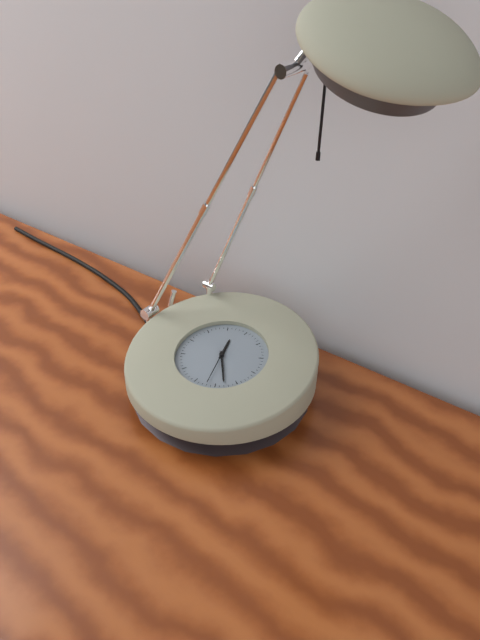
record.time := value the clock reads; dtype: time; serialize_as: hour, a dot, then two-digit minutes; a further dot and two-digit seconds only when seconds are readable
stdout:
11.23
